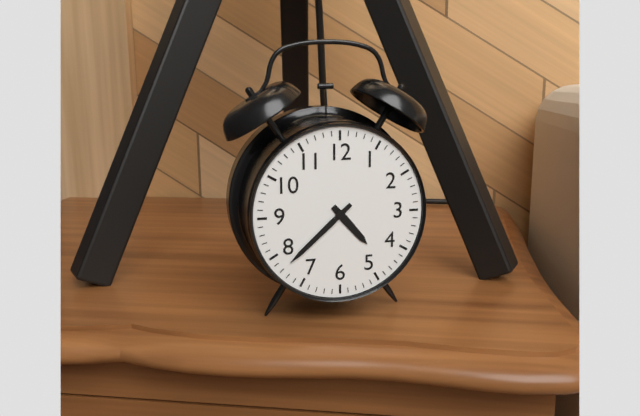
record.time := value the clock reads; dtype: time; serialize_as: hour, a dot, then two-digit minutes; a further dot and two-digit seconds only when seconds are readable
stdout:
4.38
